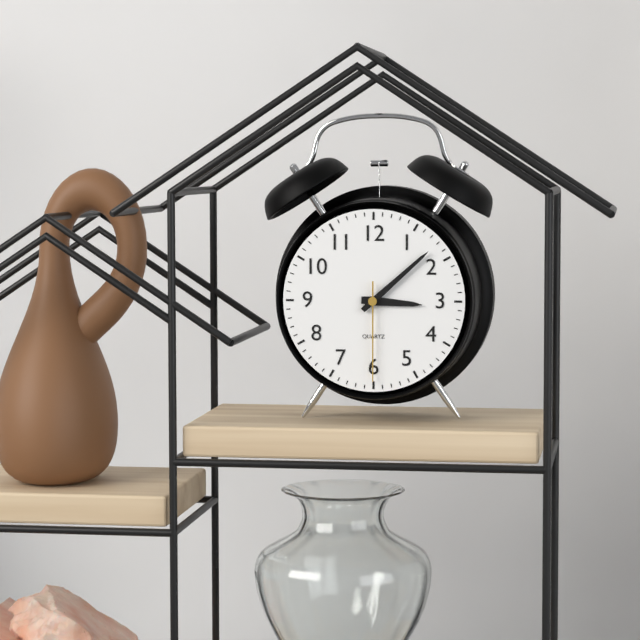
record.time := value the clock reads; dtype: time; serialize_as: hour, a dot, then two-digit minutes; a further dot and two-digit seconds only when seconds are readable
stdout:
3.08.30
